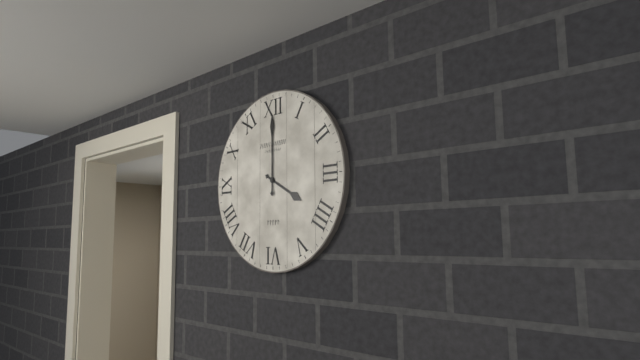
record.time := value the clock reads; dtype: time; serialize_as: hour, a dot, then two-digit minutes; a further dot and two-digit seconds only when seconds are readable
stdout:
4.00
